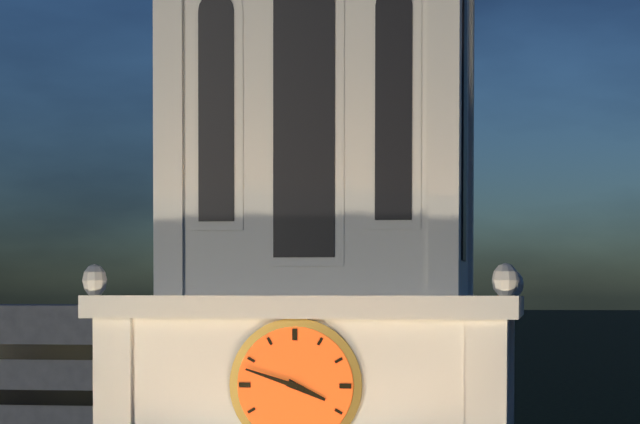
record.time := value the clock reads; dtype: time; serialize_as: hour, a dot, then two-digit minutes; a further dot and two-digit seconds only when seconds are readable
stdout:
3.48
